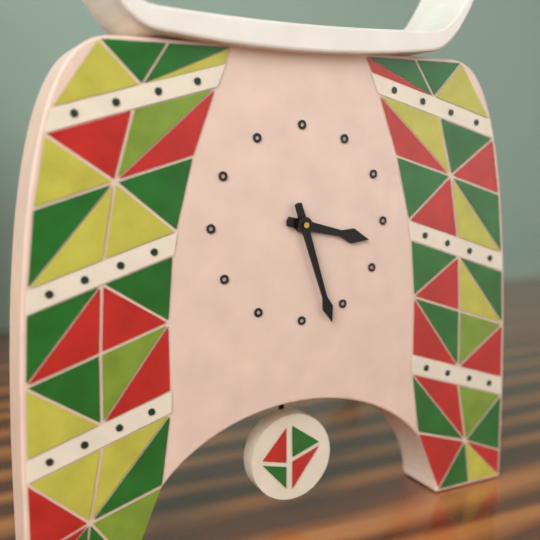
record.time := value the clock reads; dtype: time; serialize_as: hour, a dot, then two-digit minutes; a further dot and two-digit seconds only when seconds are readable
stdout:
3.27
